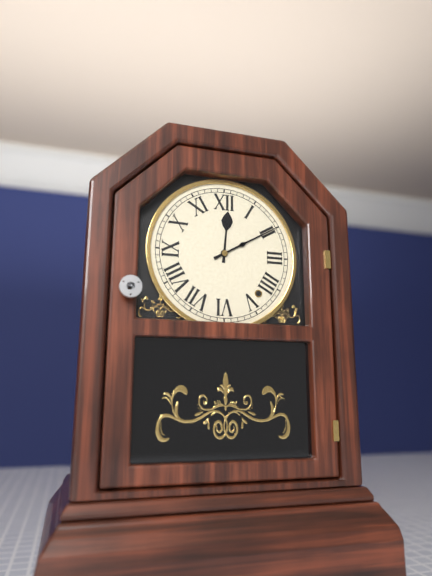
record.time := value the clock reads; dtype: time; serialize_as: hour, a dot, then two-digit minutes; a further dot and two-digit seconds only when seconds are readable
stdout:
12.10
